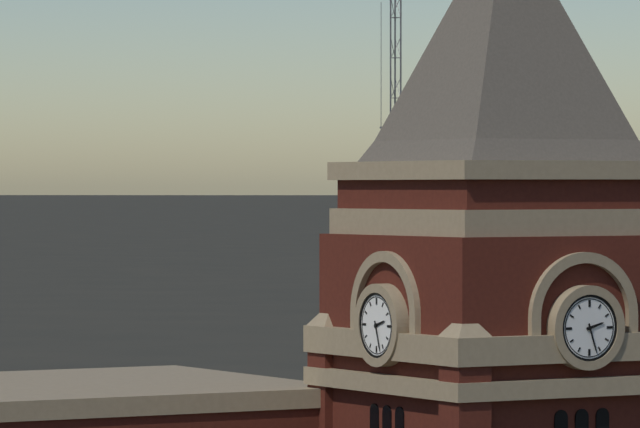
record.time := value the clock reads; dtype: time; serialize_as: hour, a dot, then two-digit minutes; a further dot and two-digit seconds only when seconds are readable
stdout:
2.27
